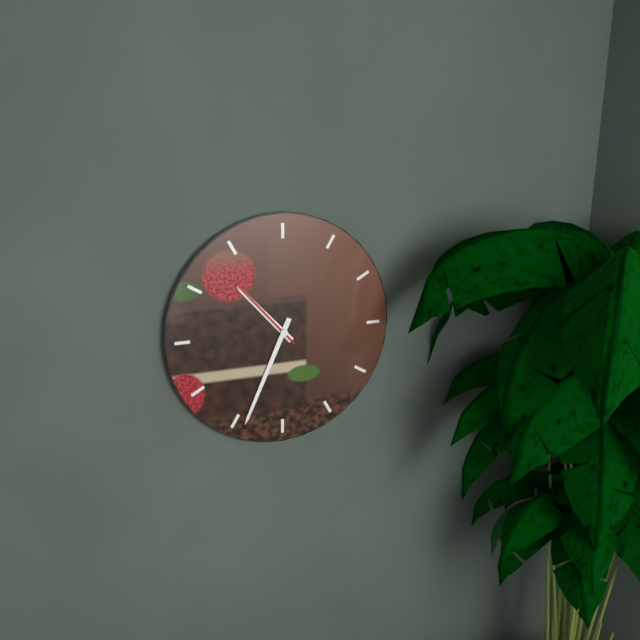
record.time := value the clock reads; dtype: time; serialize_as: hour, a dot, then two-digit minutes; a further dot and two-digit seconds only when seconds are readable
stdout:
10.34.53
